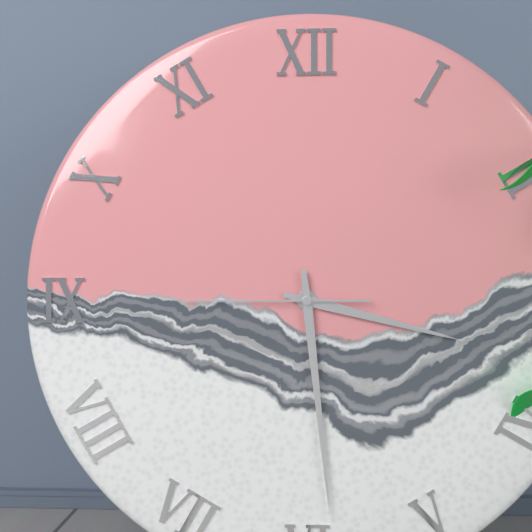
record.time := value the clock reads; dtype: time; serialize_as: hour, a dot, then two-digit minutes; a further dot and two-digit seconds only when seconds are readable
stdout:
3.29.45
